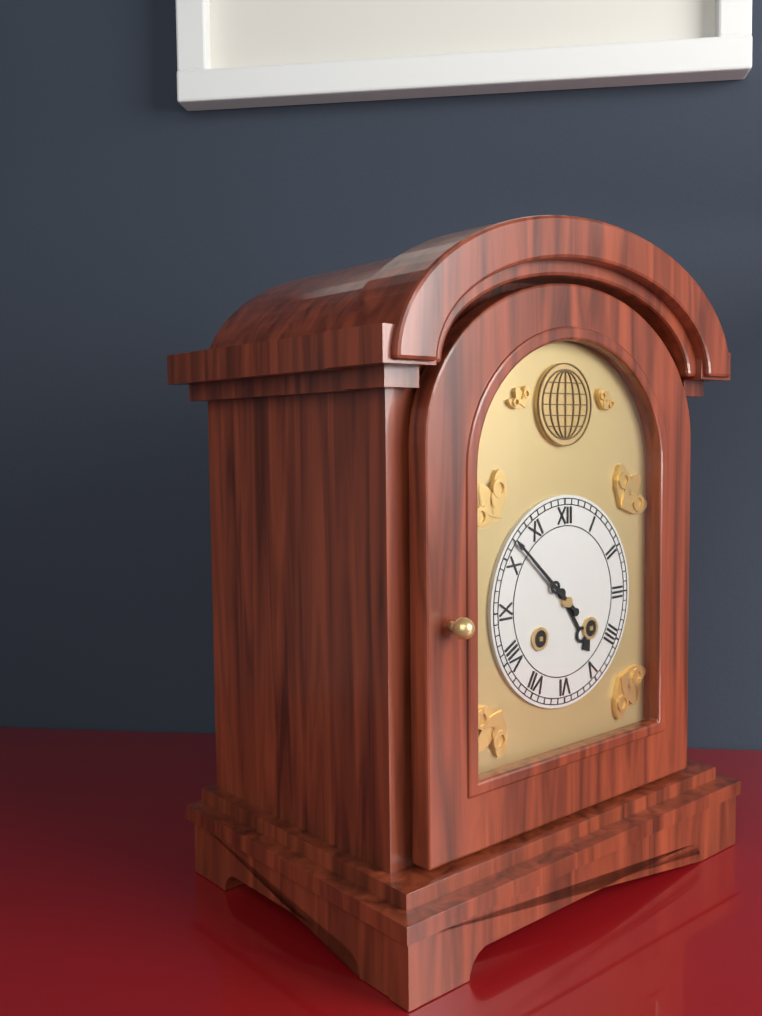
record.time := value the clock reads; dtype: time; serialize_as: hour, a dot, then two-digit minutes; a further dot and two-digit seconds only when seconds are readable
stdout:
4.52
